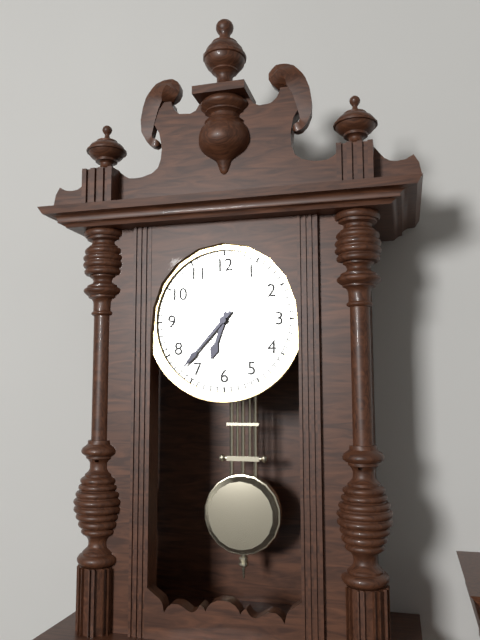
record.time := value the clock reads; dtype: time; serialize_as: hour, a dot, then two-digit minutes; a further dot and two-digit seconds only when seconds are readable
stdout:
6.37
